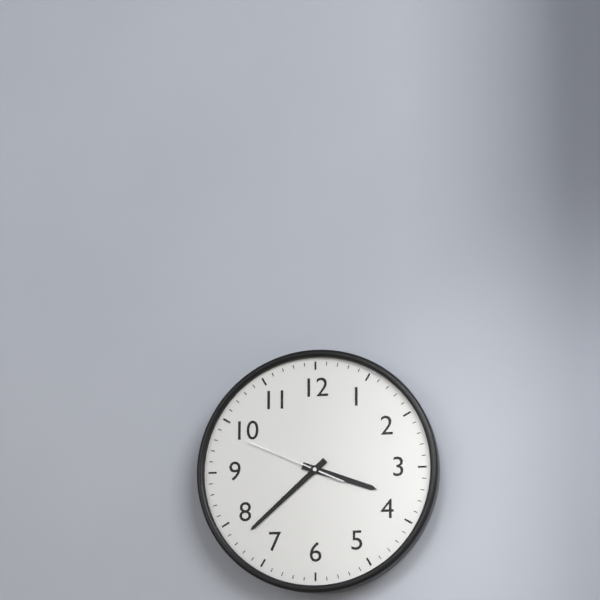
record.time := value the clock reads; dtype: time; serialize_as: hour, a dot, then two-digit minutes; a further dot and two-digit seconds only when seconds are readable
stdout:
3.38.49
